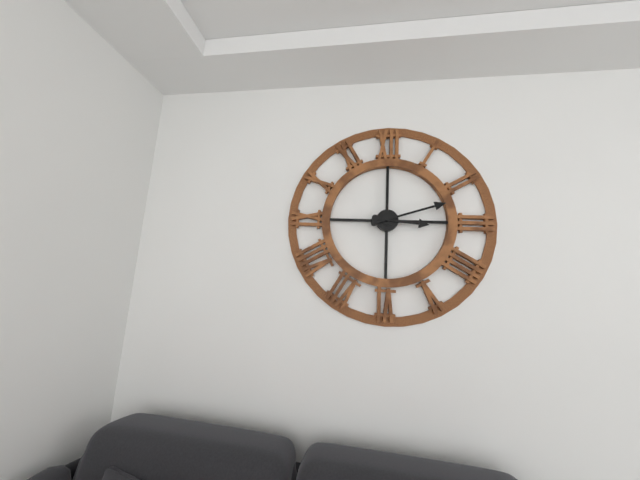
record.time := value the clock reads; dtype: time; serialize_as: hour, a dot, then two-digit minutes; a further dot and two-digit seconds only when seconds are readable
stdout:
3.12
